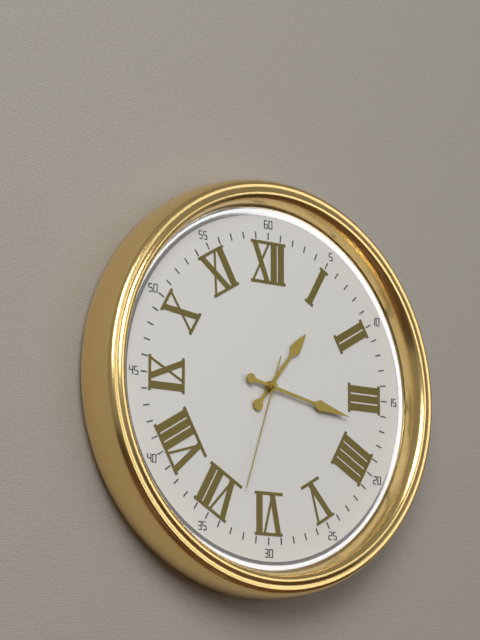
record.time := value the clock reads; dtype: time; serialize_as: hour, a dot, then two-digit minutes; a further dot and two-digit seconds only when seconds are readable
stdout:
1.17.33
